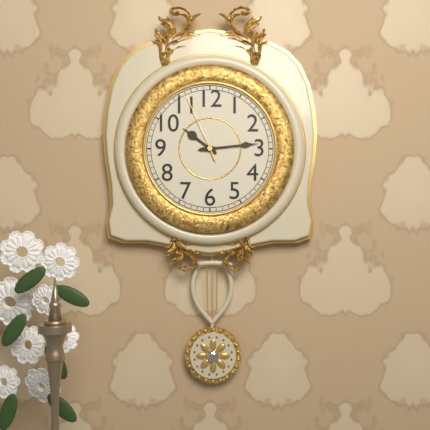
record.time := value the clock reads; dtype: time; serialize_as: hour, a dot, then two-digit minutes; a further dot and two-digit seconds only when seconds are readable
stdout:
10.14.56
